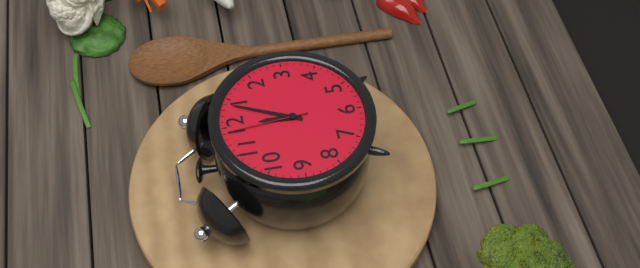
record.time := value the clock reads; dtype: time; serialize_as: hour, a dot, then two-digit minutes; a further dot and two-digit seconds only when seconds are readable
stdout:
12.04.59
